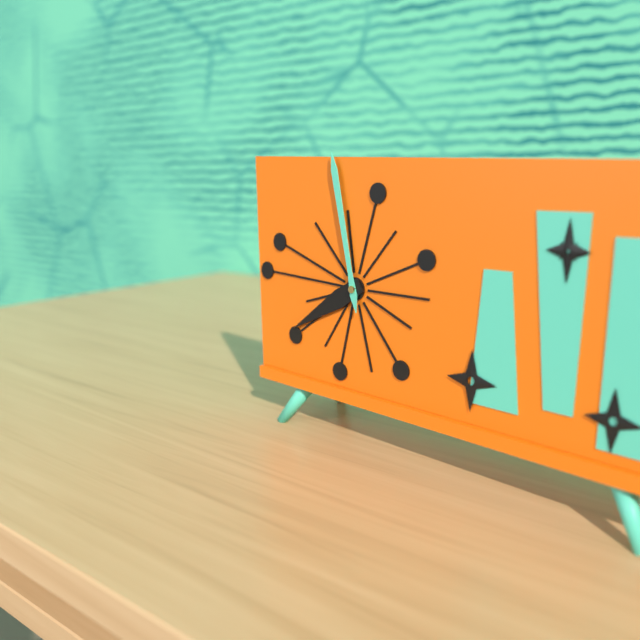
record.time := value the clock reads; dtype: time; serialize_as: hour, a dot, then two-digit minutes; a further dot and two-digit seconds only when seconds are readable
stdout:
7.58
